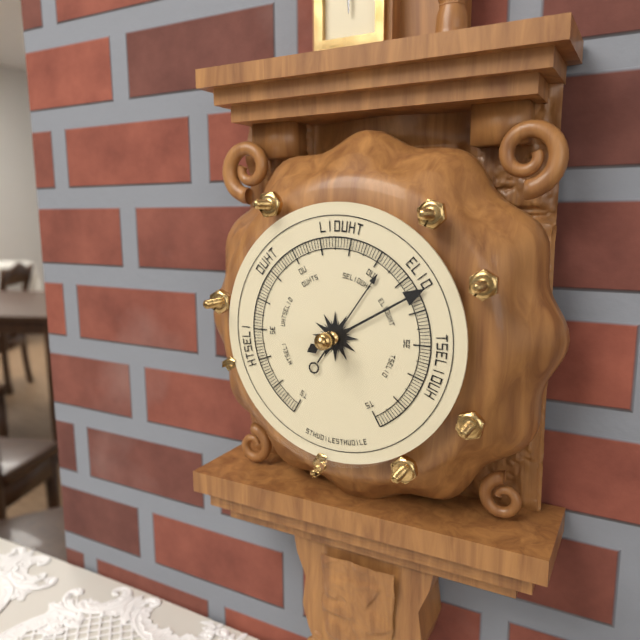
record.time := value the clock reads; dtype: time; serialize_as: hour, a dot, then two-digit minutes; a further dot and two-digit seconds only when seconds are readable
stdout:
1.10
